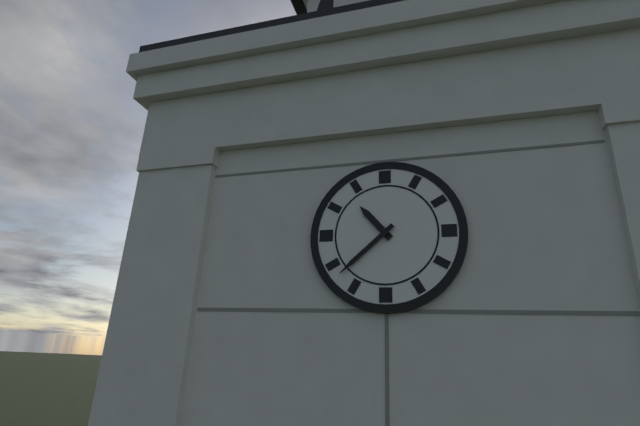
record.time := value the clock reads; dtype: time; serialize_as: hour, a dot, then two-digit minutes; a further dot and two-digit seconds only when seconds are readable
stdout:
10.38
